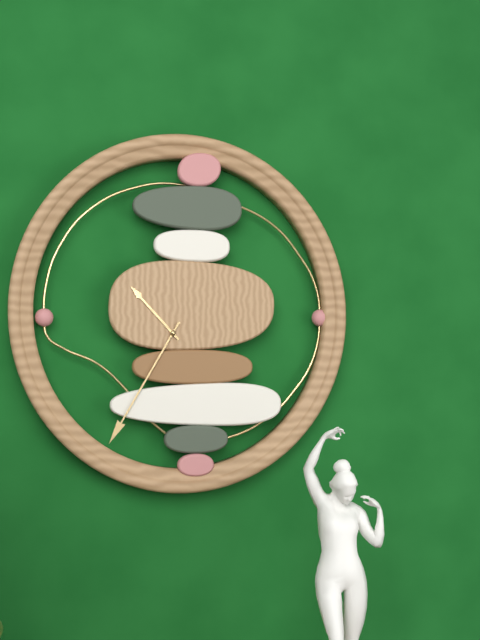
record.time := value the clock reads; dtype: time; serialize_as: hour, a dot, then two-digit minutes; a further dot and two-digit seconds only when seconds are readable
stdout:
10.35
